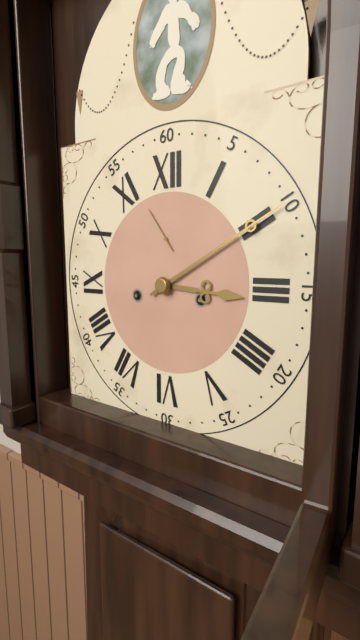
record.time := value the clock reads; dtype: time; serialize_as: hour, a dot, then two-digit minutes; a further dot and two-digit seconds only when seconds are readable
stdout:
3.10
